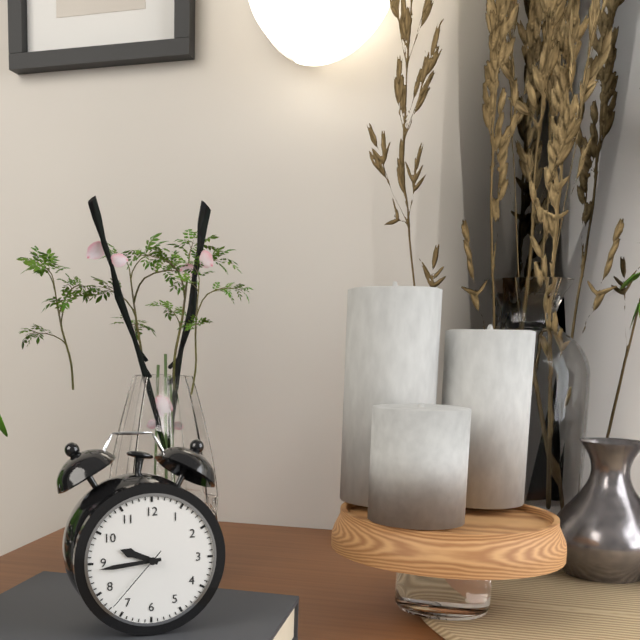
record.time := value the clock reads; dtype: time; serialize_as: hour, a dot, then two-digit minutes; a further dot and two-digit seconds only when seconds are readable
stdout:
9.44.37
